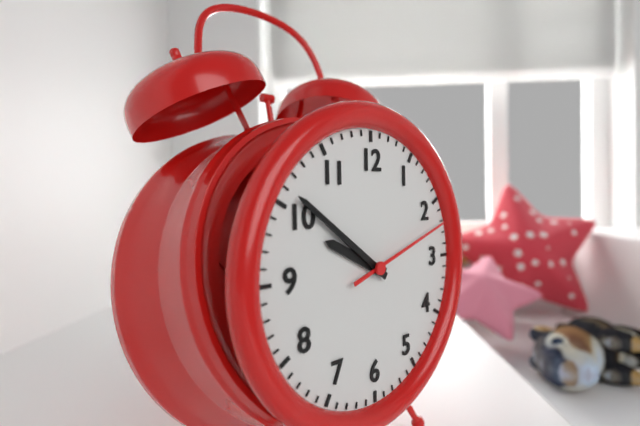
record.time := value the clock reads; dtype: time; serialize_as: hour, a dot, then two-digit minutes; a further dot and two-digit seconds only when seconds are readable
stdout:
9.51.12
